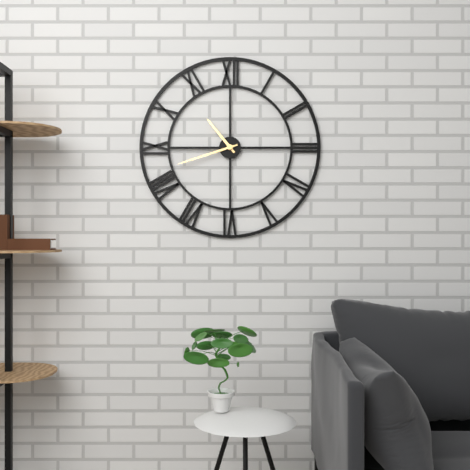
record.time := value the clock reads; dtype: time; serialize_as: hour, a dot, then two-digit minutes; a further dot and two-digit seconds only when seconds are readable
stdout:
10.42
